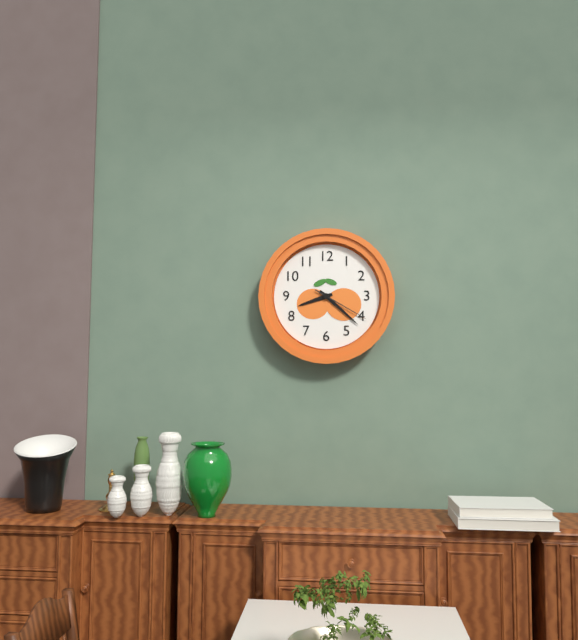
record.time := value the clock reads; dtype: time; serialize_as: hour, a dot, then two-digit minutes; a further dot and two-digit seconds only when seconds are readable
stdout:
8.22.20
